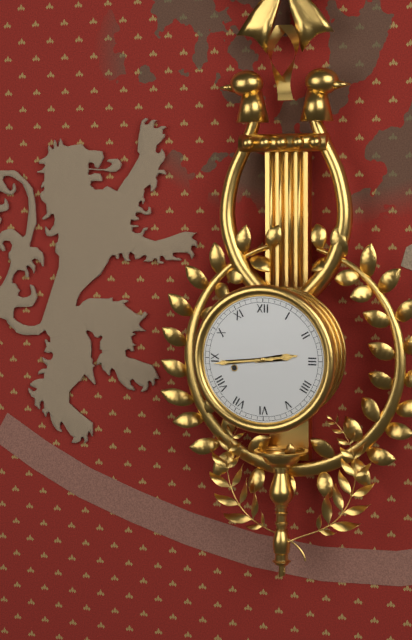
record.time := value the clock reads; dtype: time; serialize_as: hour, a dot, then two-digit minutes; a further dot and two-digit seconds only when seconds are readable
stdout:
2.44
